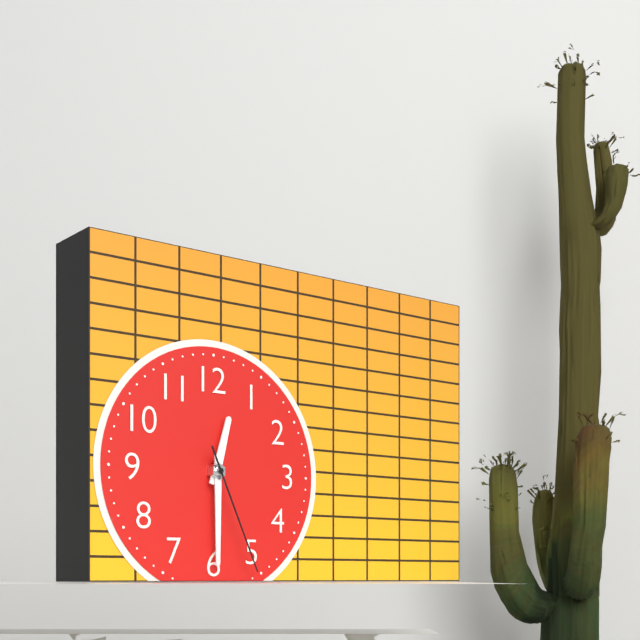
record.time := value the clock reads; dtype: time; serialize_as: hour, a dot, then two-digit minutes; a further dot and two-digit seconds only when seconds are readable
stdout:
12.30.26
